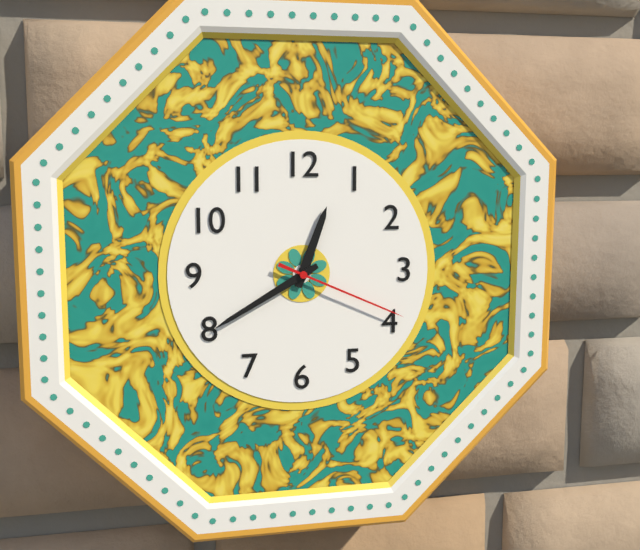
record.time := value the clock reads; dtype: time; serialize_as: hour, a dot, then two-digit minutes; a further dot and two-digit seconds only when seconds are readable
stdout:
12.40.19
